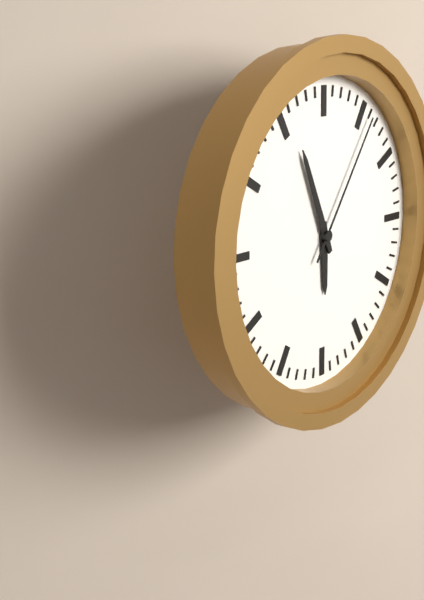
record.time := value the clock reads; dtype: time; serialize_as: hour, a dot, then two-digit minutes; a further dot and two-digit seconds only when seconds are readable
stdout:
5.56.06
